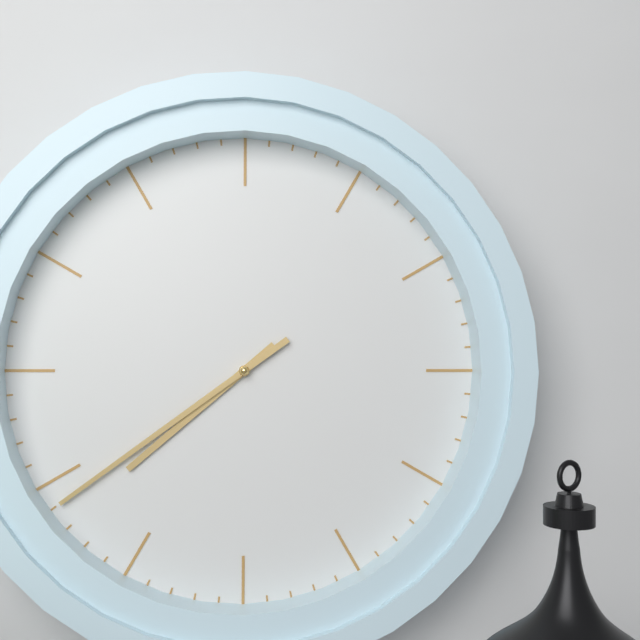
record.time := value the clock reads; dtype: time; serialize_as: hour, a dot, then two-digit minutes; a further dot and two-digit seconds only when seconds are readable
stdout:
7.39
